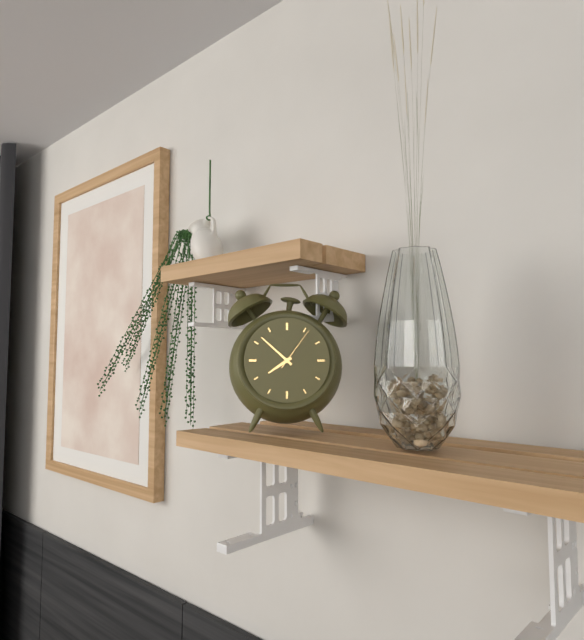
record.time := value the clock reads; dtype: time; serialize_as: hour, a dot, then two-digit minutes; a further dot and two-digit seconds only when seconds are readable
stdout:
7.52
